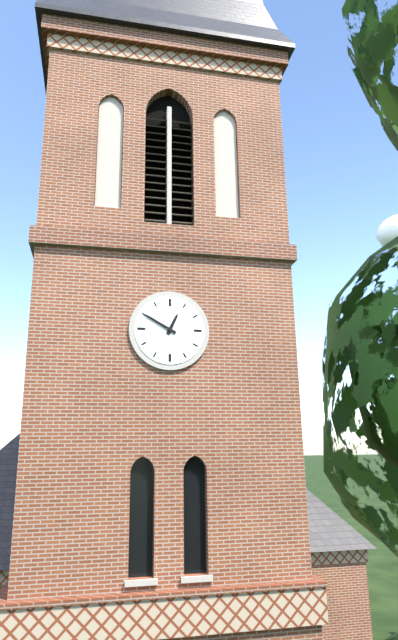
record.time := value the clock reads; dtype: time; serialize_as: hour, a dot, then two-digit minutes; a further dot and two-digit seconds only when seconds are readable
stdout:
12.50
